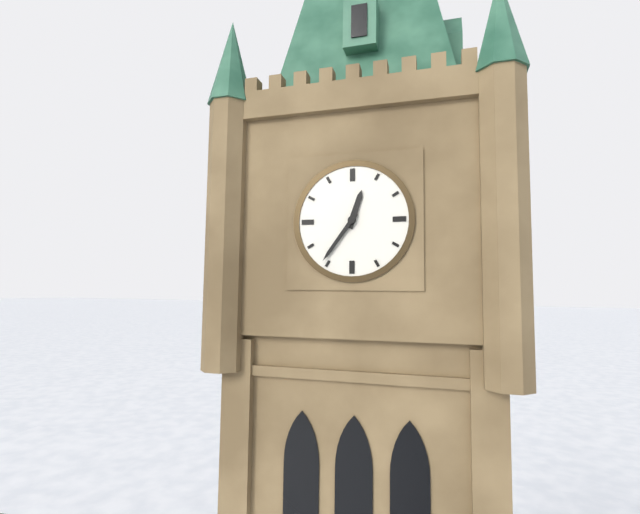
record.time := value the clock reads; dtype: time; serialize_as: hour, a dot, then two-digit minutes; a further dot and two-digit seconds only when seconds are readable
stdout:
12.36
